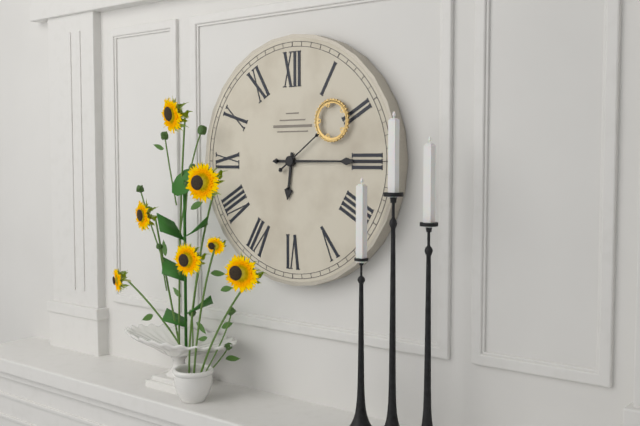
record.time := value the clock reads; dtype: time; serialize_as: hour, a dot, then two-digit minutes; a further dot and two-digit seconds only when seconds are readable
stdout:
6.15.09
